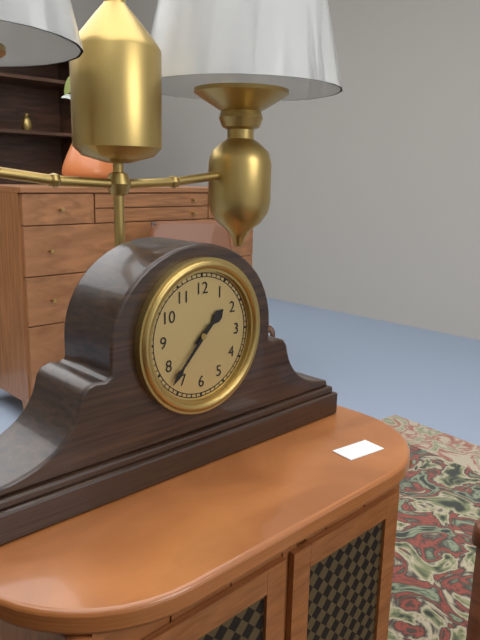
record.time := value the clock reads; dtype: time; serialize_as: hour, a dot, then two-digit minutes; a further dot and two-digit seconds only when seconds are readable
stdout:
1.37
